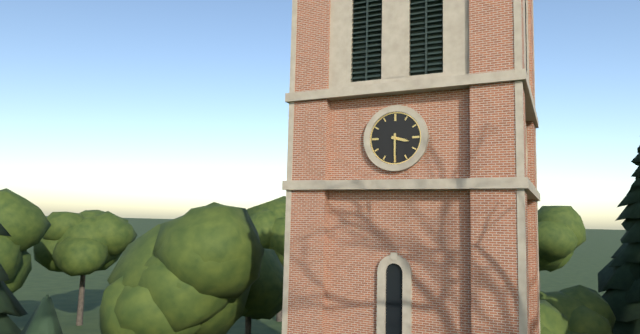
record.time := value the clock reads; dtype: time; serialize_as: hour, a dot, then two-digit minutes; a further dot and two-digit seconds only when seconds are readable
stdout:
3.30
